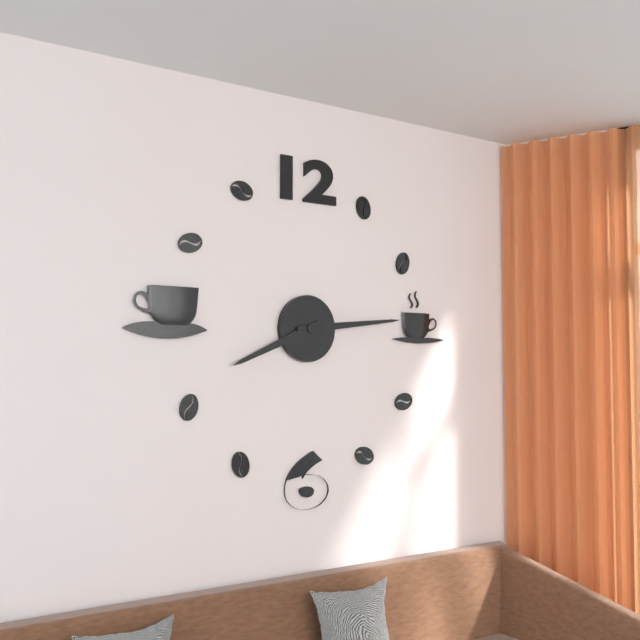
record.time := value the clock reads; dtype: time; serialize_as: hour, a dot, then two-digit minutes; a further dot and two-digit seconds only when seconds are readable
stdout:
8.14
